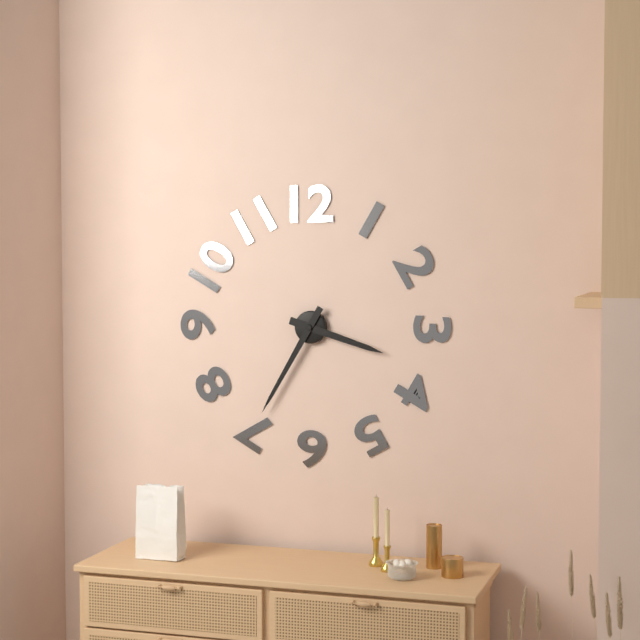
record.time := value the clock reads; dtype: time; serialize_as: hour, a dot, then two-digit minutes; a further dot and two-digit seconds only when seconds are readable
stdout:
3.35
